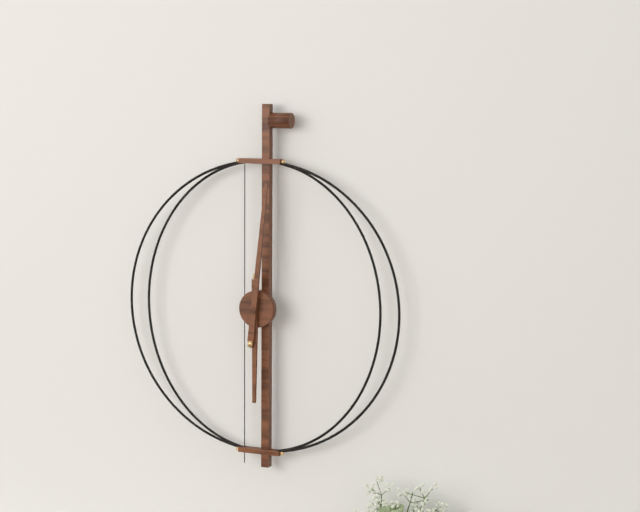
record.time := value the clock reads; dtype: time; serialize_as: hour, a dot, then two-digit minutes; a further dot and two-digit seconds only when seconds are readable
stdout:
6.01
